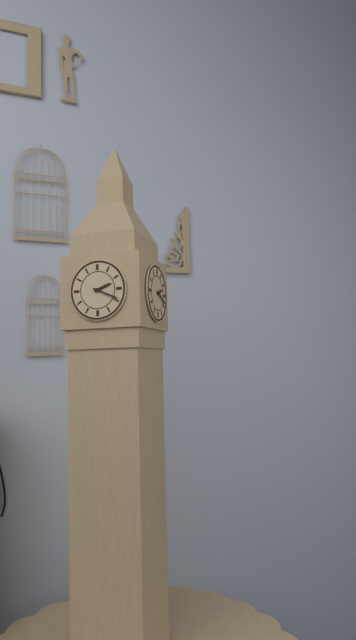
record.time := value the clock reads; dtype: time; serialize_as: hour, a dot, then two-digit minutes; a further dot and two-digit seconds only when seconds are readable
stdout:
2.19
